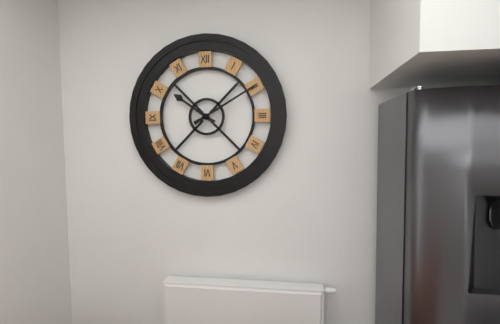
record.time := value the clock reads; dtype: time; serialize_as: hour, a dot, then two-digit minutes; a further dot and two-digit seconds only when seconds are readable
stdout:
10.10
